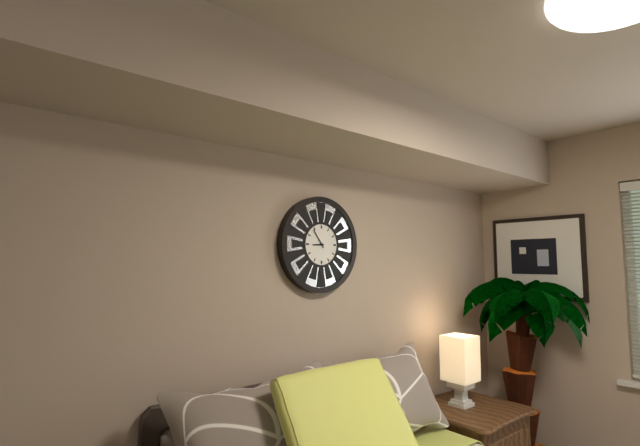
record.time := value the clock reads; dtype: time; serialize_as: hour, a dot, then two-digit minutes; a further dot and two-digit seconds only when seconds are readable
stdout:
8.54
